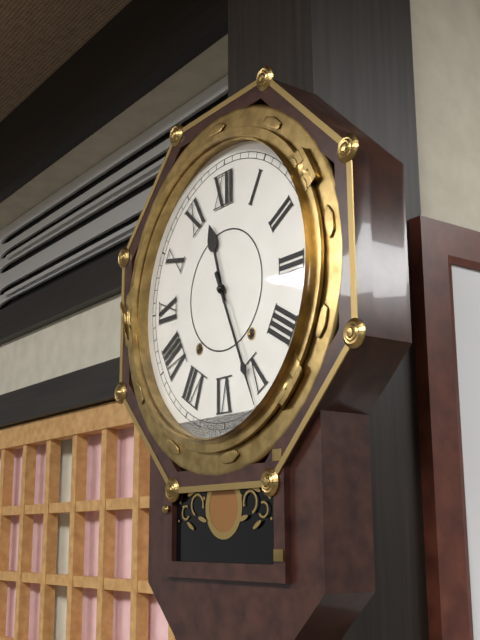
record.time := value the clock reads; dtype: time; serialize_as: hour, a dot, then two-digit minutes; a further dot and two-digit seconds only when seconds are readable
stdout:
11.26
